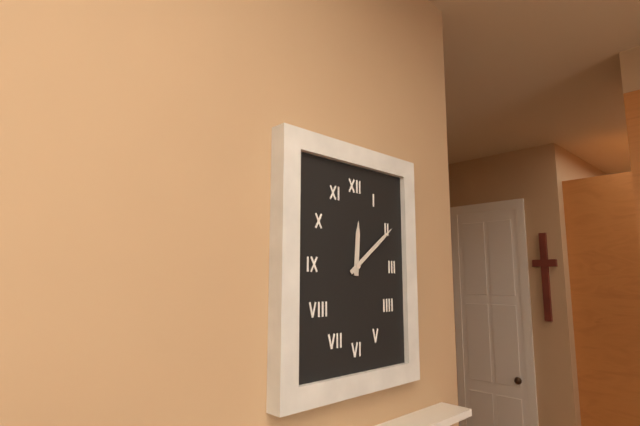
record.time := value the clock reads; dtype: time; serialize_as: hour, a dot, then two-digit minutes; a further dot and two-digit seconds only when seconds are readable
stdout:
12.09
